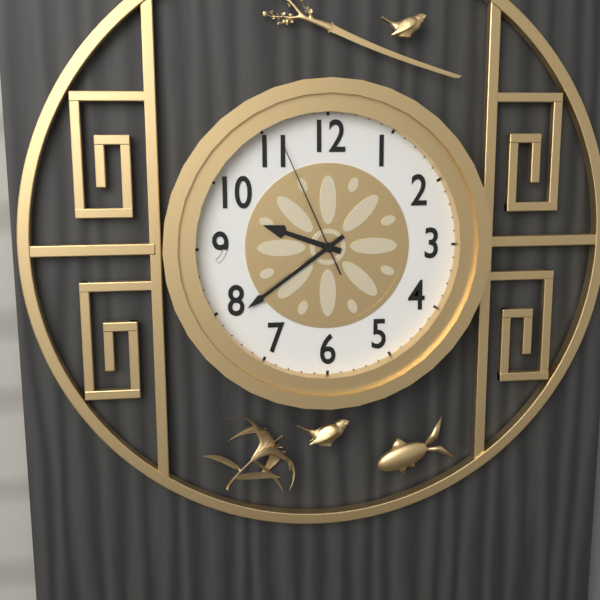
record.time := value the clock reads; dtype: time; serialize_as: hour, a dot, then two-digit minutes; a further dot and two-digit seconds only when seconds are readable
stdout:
9.39.56
